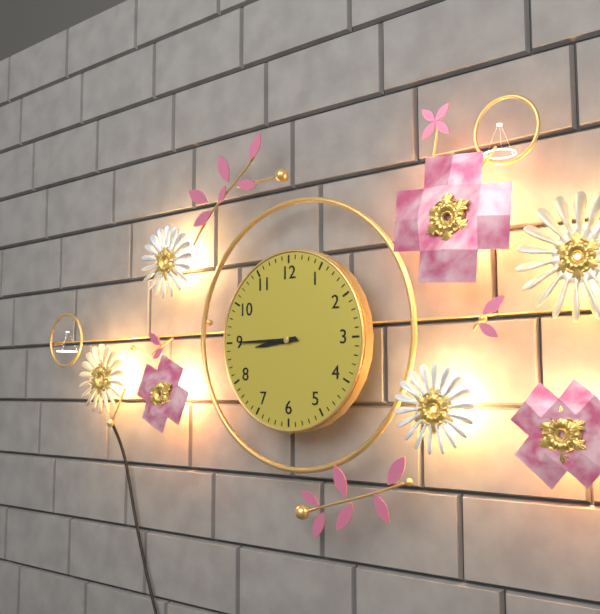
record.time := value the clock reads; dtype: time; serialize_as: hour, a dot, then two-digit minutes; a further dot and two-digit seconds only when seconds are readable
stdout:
8.45
